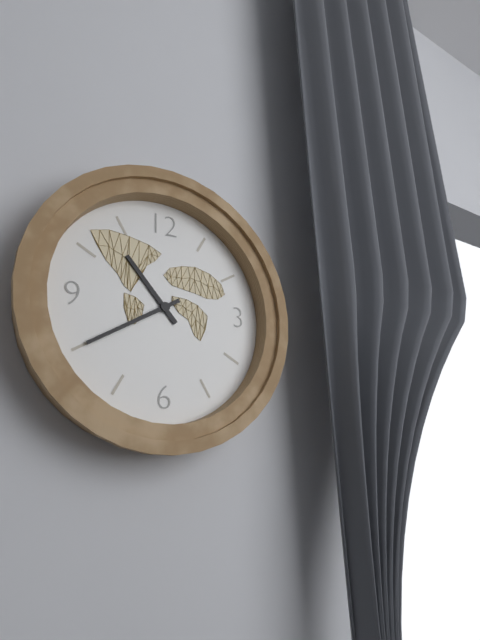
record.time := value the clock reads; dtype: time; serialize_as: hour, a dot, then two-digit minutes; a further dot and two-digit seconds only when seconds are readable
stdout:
10.40
